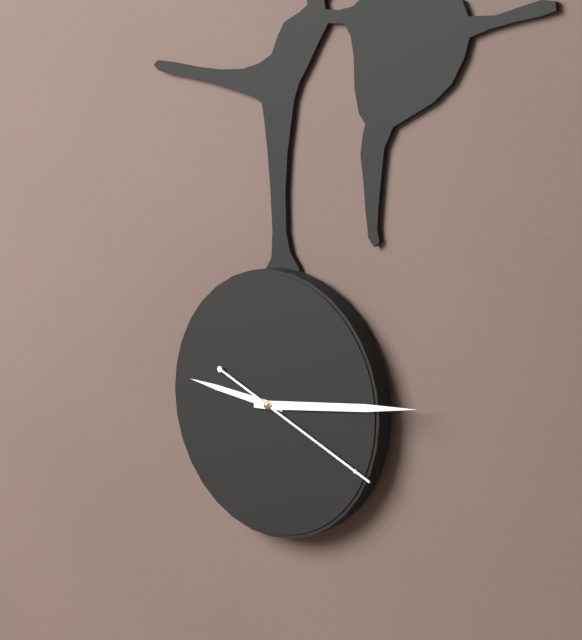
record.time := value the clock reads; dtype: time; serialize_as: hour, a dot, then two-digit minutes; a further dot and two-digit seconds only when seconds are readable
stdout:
9.14.19
